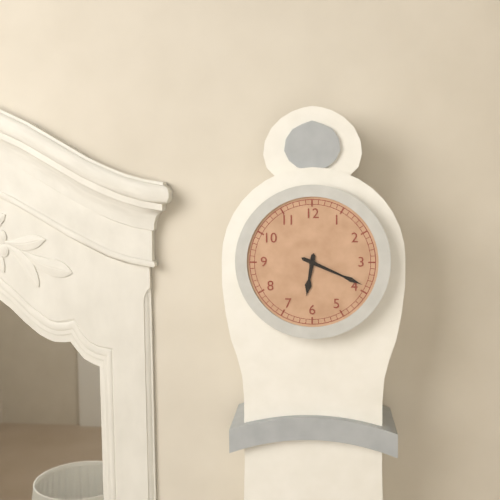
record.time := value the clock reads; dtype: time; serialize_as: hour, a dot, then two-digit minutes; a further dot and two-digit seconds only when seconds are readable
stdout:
6.19
